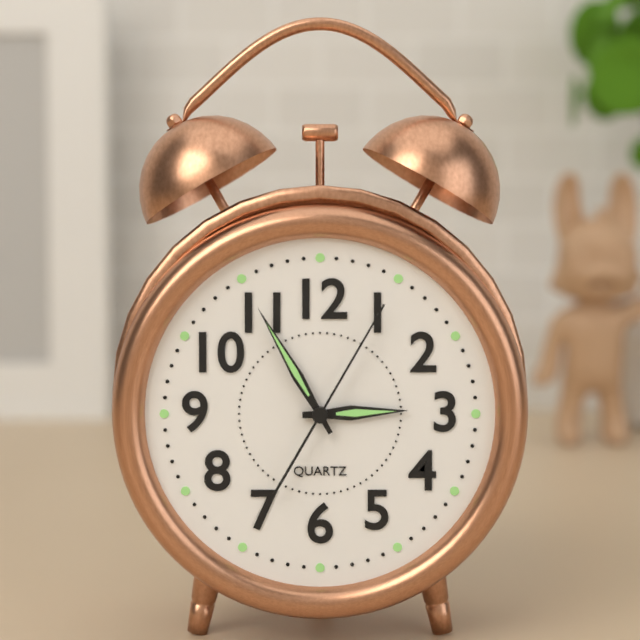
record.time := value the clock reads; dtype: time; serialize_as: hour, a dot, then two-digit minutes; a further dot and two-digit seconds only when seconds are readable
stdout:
2.55.05
